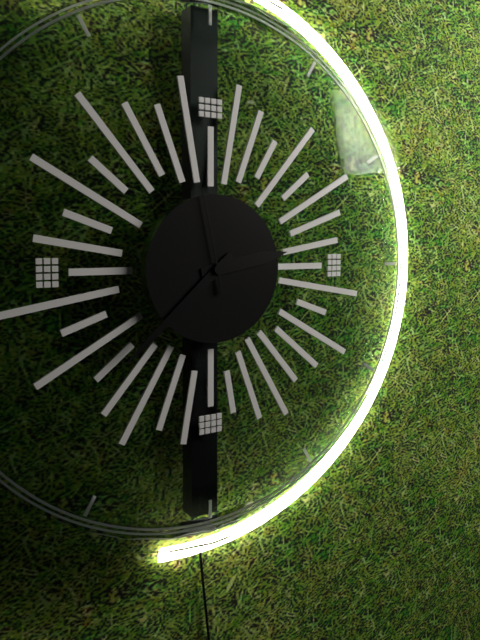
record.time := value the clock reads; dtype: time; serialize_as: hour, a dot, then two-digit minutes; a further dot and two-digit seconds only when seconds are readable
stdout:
2.38.58
